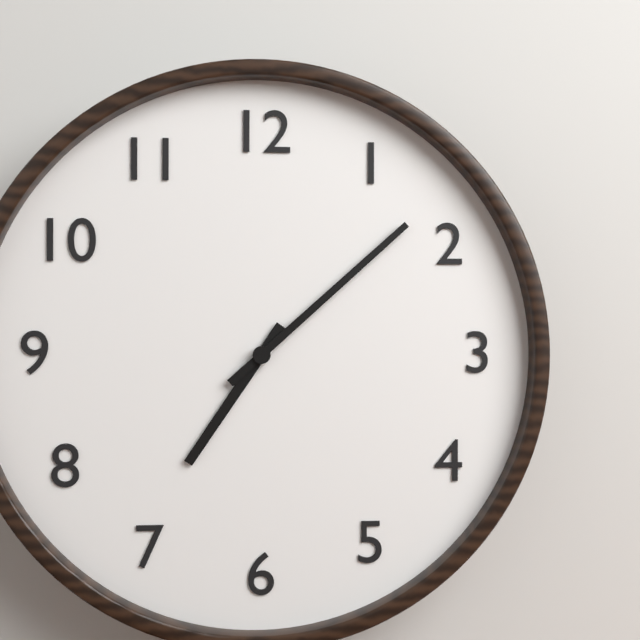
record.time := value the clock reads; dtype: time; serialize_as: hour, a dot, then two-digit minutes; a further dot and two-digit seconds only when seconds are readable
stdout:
7.08
